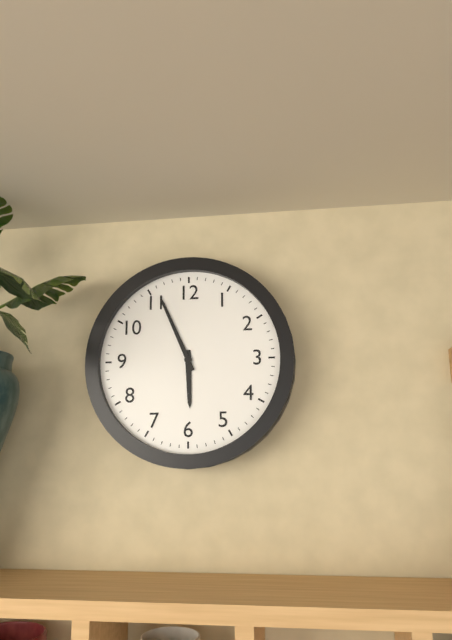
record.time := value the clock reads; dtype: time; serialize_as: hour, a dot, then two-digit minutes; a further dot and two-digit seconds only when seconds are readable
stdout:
5.56
